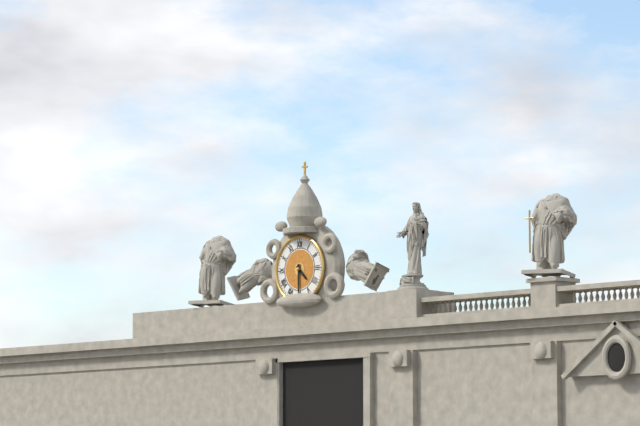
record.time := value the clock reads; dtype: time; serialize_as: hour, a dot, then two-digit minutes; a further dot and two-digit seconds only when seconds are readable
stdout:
4.30
